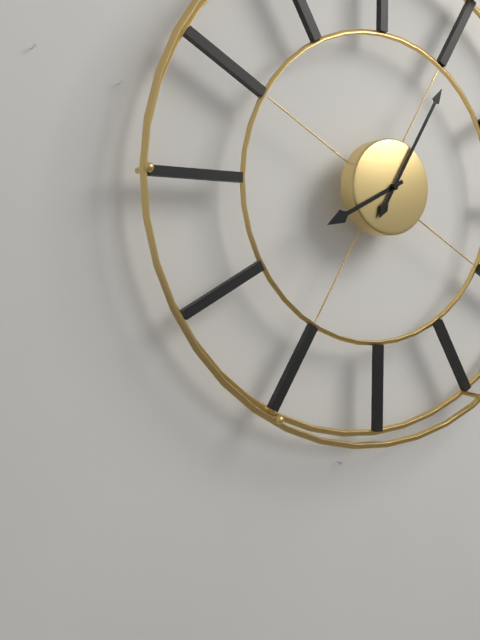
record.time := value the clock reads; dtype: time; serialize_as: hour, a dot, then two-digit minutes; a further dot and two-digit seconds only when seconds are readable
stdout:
8.05
